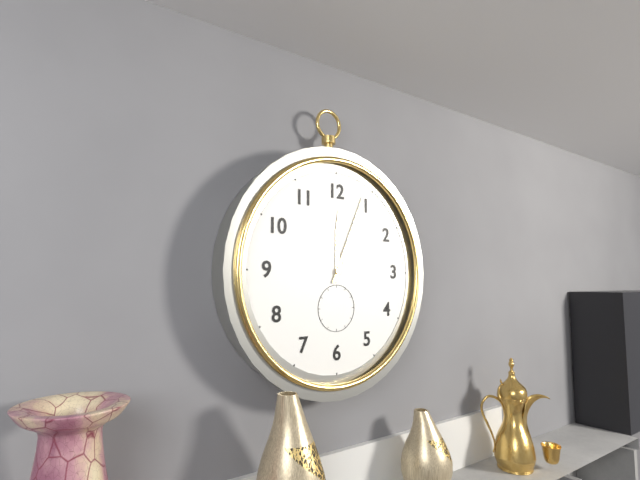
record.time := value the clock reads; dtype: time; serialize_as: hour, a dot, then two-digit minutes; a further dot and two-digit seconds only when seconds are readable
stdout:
12.04
